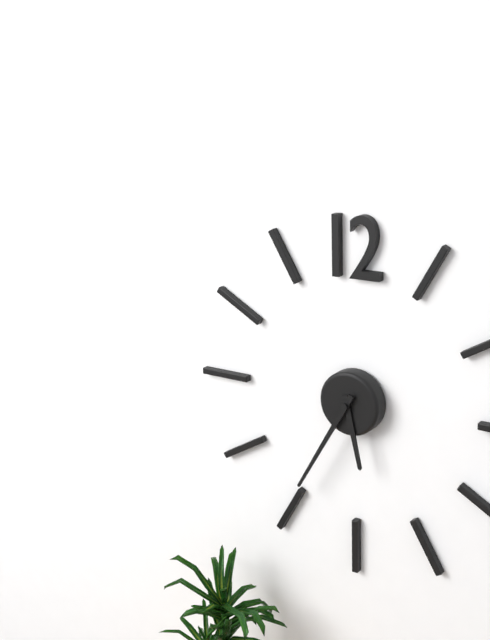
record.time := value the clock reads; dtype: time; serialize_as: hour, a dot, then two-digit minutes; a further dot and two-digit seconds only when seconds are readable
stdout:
5.35
